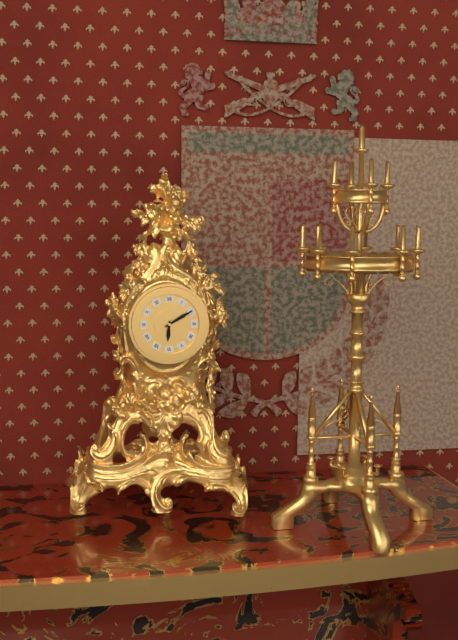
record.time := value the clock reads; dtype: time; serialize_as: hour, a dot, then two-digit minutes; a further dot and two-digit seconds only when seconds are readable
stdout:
6.10
